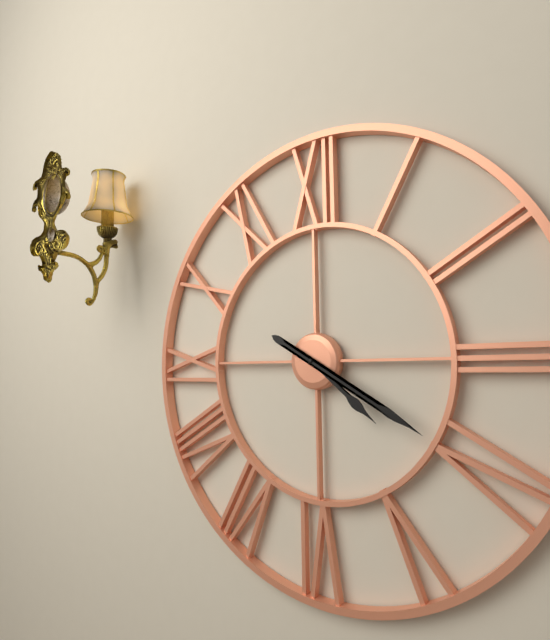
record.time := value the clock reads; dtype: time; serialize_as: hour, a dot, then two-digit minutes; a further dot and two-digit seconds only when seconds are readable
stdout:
4.20
